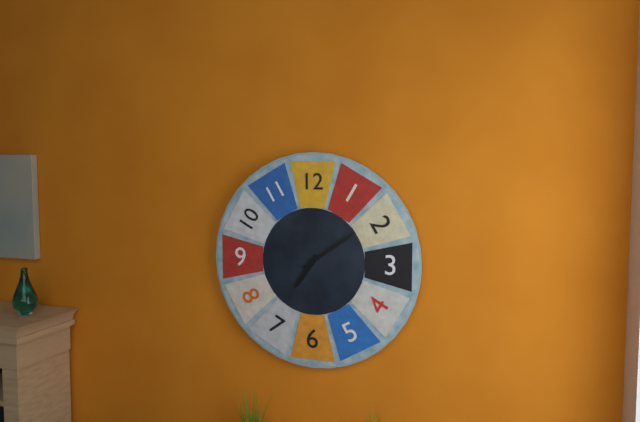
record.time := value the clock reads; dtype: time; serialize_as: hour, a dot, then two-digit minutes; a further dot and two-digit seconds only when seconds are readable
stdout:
7.09
